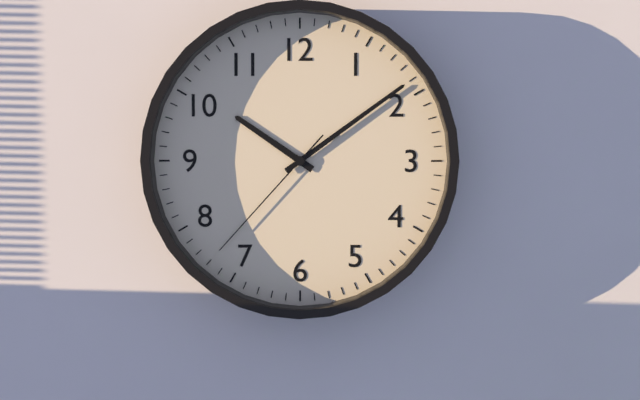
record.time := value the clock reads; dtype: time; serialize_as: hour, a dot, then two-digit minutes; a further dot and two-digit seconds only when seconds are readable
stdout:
10.09.37
